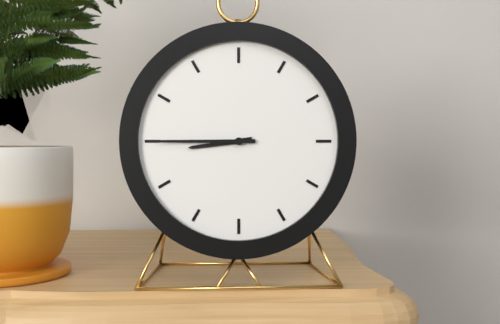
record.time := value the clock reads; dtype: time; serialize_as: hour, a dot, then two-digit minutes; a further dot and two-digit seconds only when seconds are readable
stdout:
8.45
